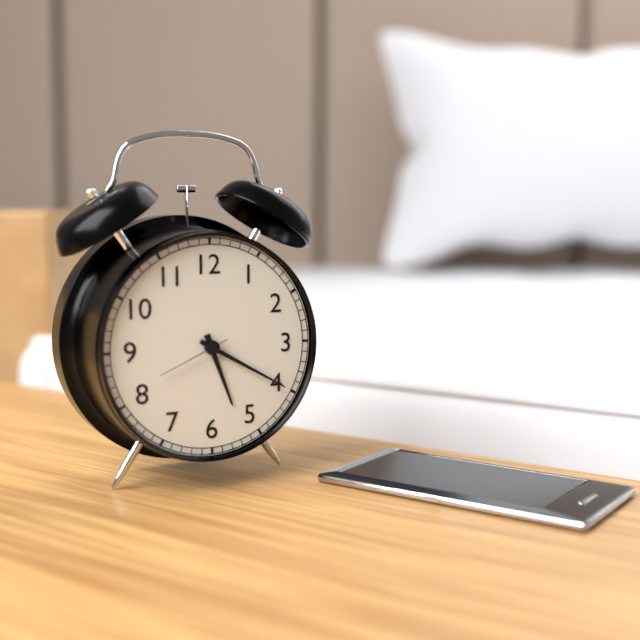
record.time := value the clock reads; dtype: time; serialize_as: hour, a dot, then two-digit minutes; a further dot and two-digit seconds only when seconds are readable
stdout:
5.20.41
